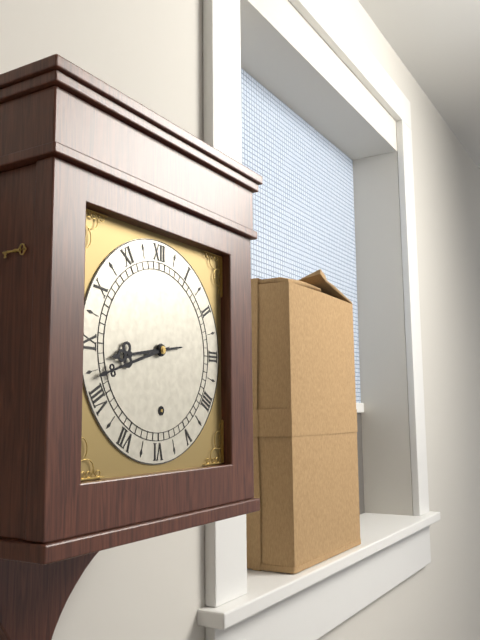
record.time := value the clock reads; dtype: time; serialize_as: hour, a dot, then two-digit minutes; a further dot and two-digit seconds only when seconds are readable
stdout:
8.42
